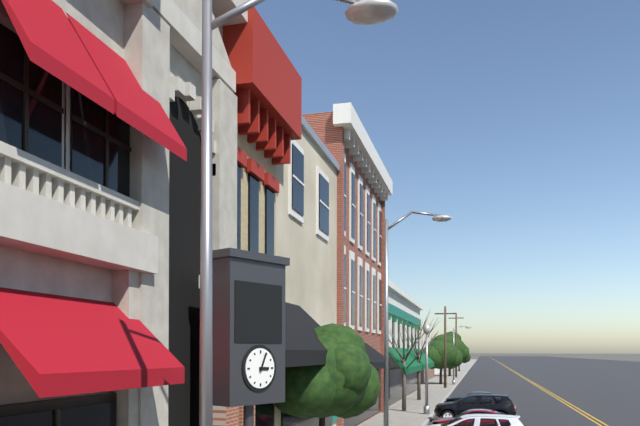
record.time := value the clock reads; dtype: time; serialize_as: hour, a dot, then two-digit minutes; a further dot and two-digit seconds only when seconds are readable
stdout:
3.04
